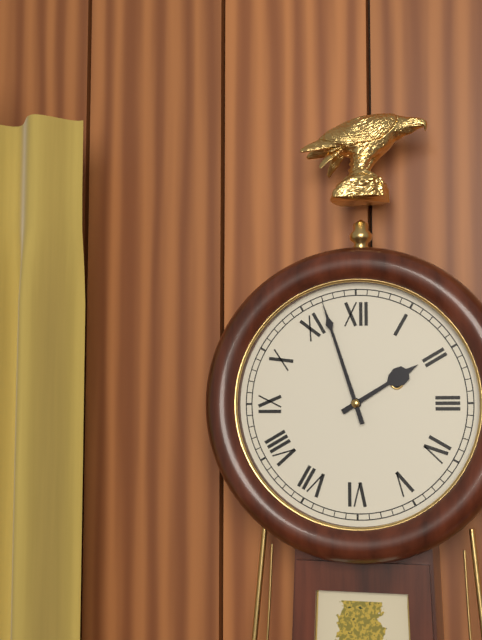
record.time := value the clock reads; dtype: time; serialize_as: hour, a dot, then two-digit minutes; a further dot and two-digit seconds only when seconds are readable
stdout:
1.57
